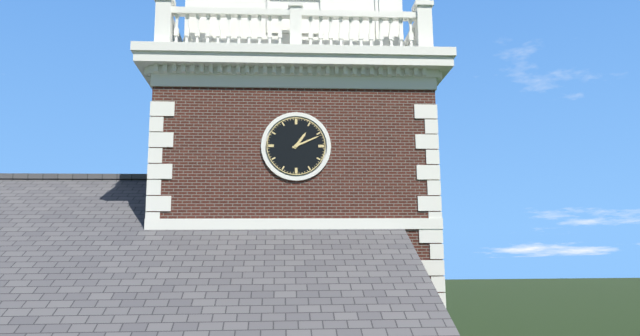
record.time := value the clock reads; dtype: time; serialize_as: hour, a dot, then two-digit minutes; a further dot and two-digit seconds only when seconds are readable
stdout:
1.11
